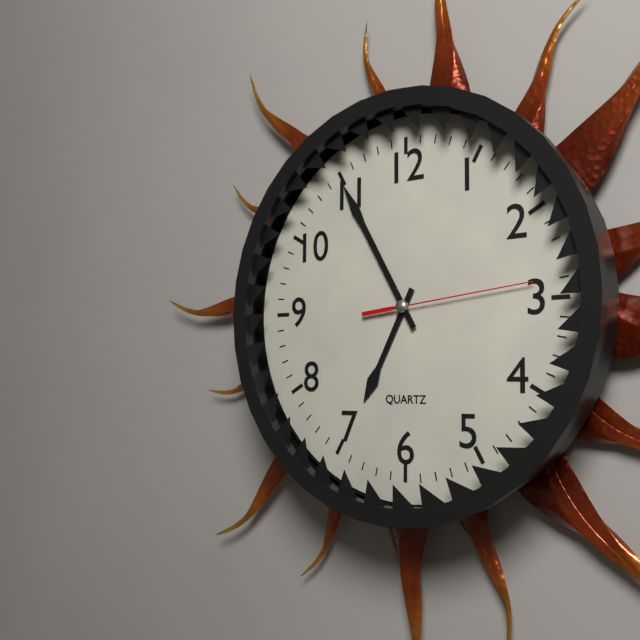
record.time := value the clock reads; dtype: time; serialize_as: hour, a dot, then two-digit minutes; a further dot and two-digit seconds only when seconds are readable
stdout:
6.55.14
